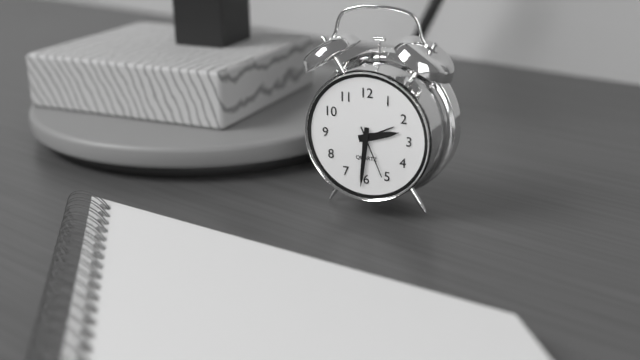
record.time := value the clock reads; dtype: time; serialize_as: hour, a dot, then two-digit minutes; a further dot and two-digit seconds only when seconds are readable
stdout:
2.31.26
